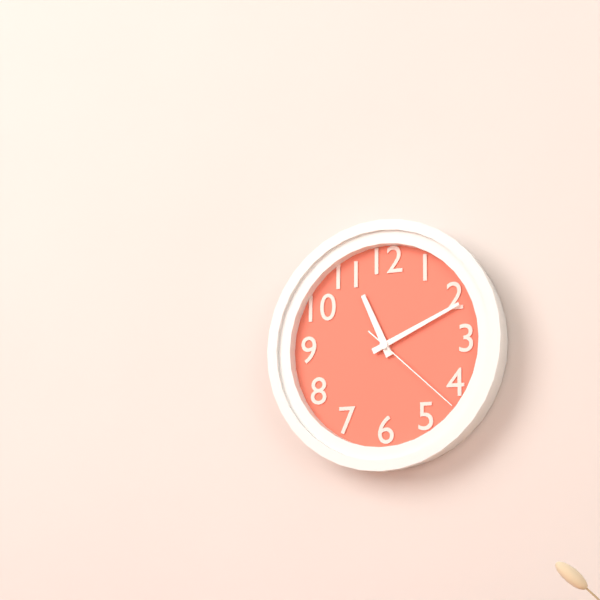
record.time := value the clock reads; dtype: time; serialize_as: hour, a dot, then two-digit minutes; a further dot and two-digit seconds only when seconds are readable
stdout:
11.11.22
